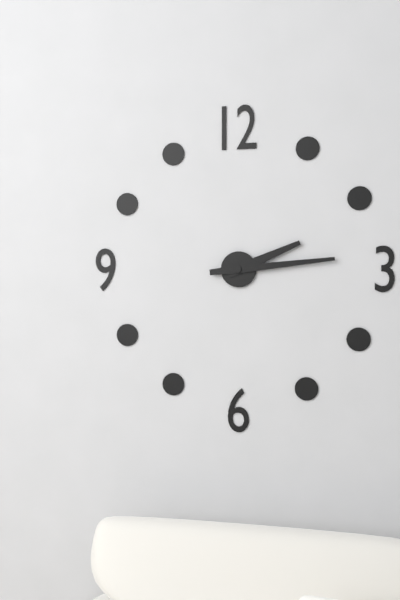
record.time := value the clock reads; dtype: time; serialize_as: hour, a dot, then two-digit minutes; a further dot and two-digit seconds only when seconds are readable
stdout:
2.14
